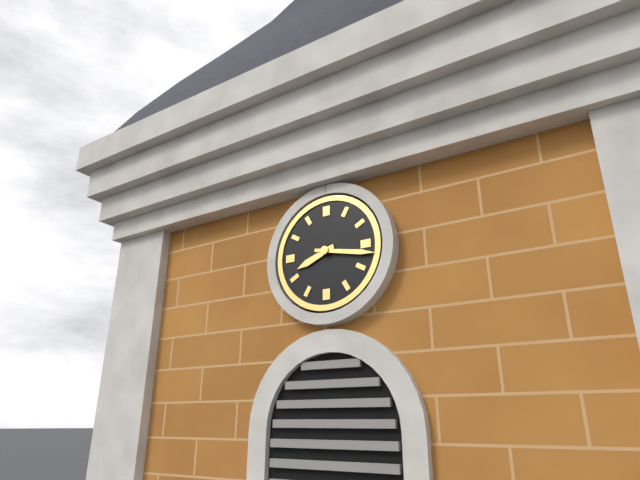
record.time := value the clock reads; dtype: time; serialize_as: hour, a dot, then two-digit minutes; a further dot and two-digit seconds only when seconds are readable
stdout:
8.17
